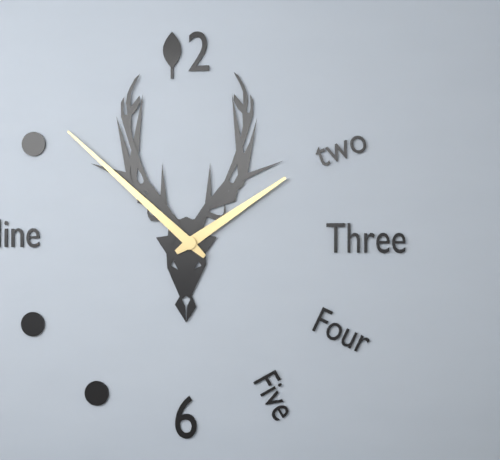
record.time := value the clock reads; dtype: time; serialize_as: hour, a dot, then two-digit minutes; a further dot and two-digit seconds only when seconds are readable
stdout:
1.52
